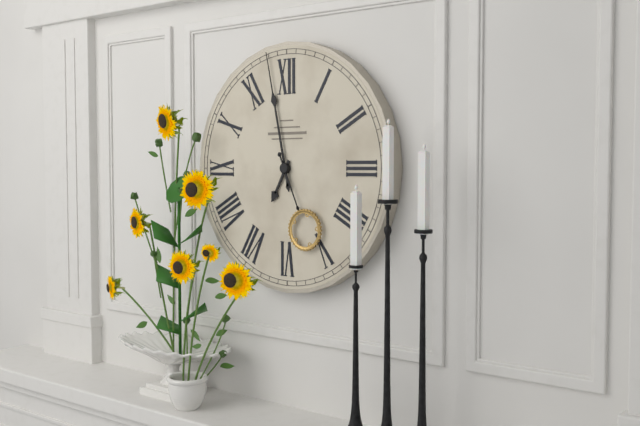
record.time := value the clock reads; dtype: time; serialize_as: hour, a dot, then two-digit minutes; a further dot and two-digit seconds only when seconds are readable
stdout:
6.58.26
